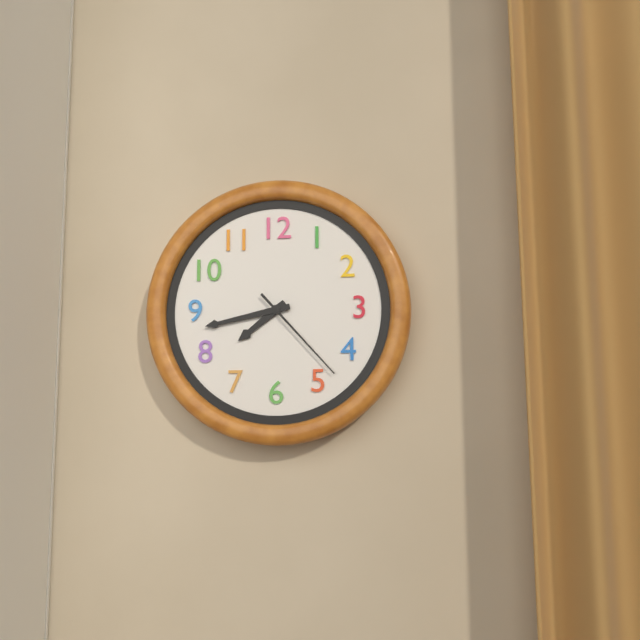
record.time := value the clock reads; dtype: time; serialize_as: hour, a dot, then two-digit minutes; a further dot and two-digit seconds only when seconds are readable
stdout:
7.43.23
